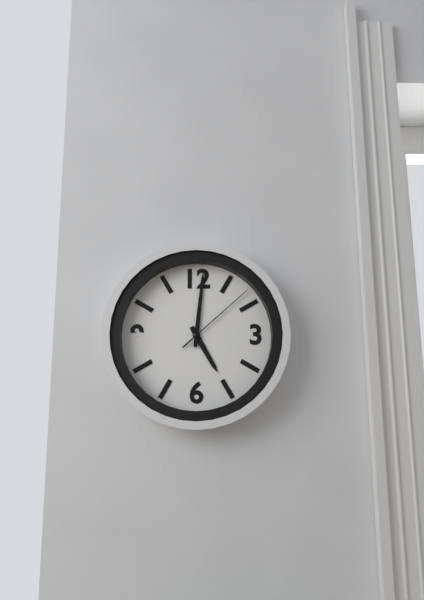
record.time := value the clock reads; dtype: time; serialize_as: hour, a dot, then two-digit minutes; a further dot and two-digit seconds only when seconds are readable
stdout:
5.01.08
